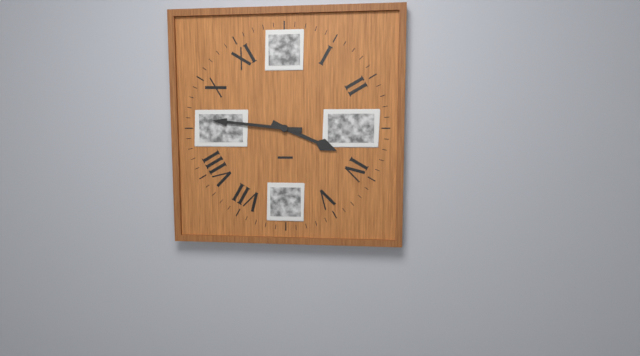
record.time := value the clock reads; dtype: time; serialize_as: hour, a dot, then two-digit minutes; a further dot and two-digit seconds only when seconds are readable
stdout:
3.46
